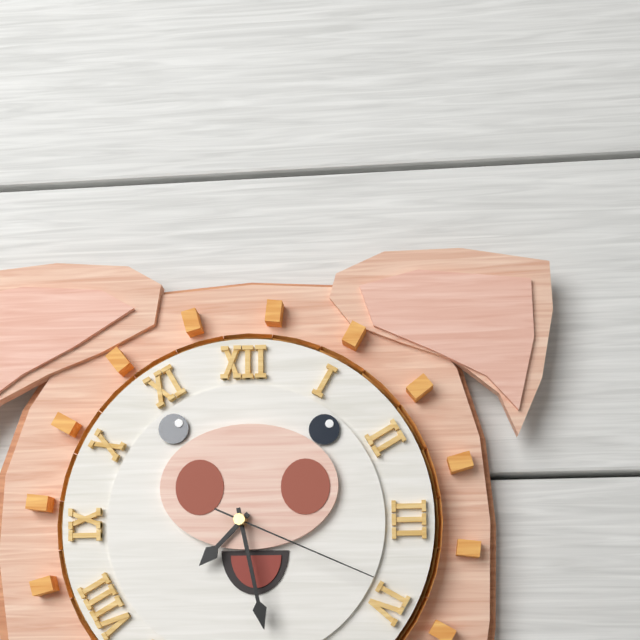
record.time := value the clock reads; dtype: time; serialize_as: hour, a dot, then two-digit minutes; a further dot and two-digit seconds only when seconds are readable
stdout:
7.28.19
